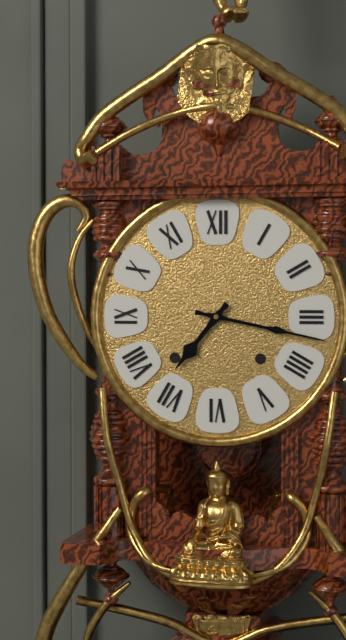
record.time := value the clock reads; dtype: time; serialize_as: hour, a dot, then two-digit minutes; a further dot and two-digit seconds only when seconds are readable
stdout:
7.17
